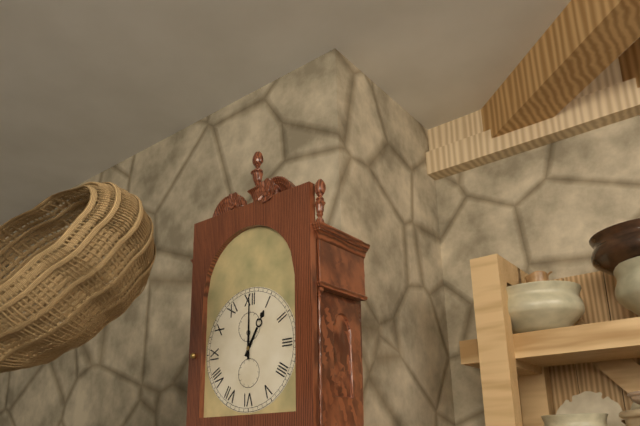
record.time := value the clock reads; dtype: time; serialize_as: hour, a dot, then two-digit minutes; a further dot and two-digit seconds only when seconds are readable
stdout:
1.00
